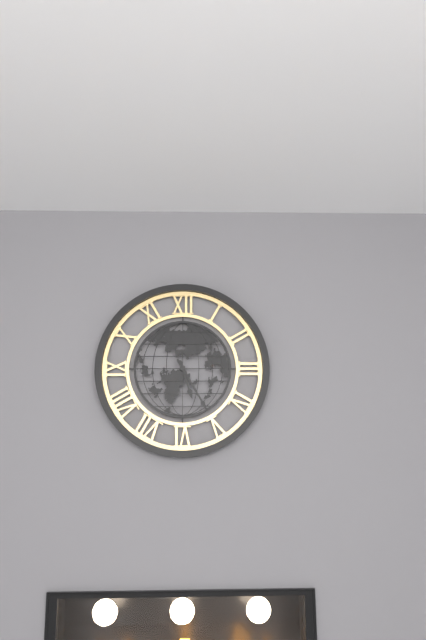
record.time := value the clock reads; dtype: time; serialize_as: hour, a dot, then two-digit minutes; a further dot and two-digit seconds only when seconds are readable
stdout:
5.25
